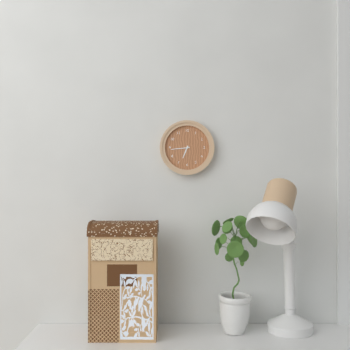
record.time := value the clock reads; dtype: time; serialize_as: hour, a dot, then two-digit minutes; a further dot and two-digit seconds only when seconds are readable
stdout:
6.44
